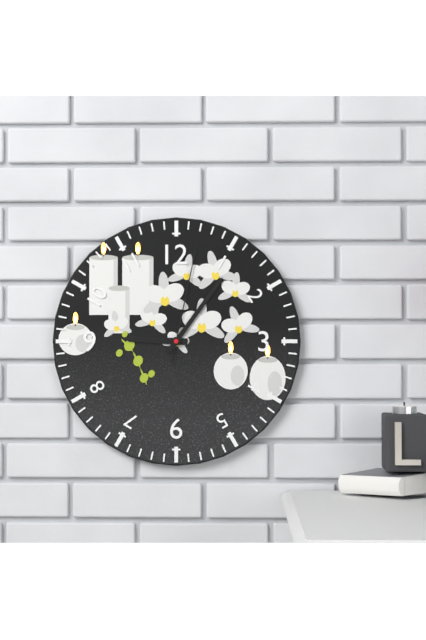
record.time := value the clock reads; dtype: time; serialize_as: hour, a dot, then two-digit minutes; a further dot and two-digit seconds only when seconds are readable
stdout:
9.06.02
